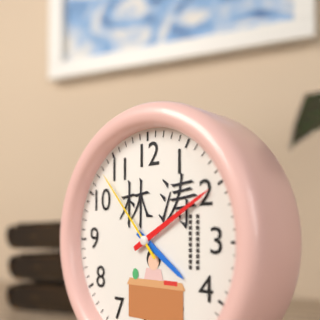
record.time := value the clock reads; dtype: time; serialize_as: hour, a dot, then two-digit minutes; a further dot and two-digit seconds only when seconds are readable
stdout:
4.10.53
